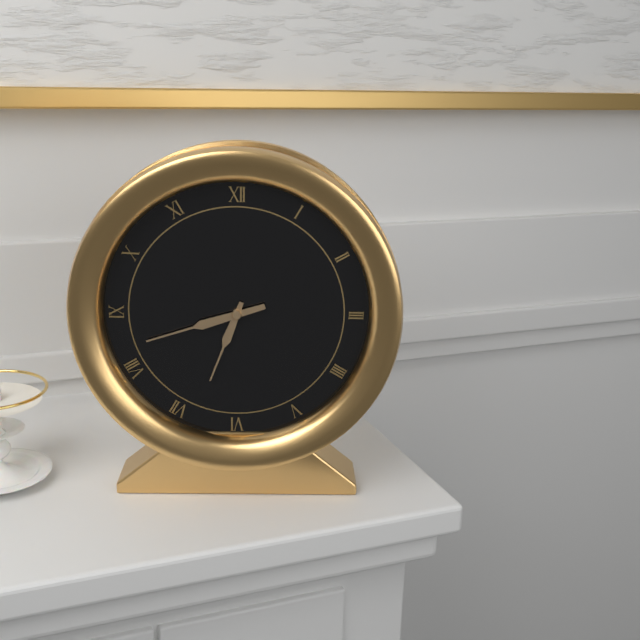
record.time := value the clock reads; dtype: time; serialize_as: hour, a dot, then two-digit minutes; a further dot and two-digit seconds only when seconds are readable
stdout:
6.42
